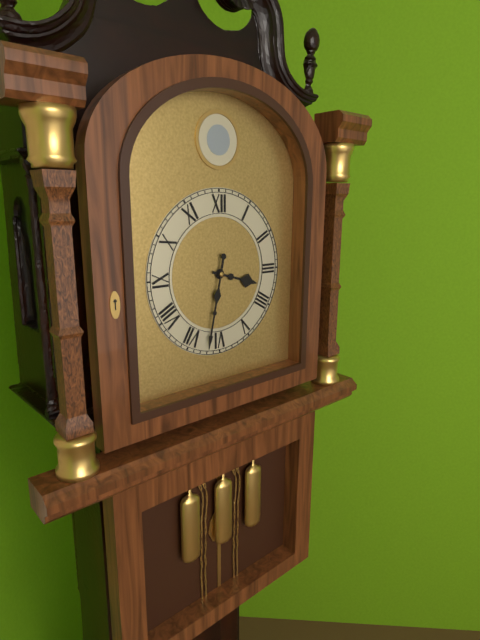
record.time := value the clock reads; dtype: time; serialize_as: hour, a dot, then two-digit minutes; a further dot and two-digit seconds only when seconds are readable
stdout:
3.32
